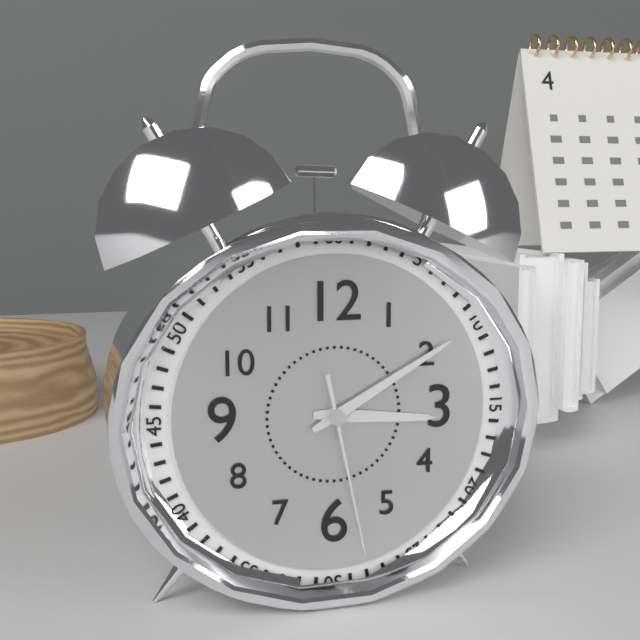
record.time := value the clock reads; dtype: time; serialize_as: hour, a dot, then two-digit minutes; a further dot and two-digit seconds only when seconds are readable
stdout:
3.10.28
